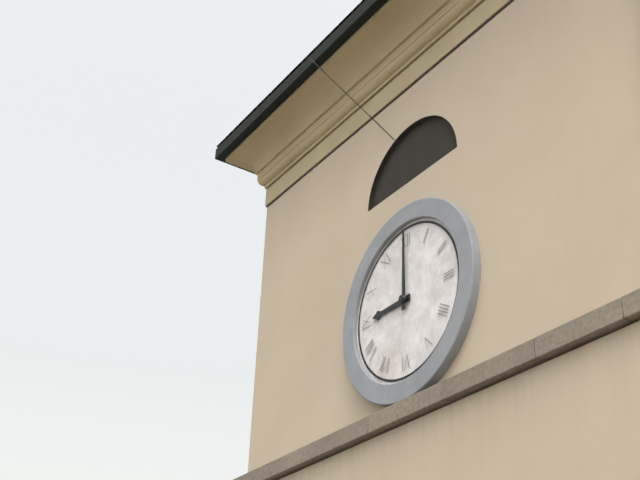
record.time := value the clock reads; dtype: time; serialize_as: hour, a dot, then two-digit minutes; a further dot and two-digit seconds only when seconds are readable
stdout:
9.00
